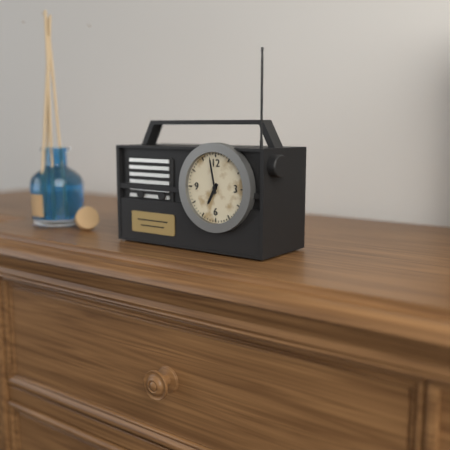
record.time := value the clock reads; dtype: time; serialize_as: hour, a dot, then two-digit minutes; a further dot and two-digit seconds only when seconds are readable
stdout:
6.58
